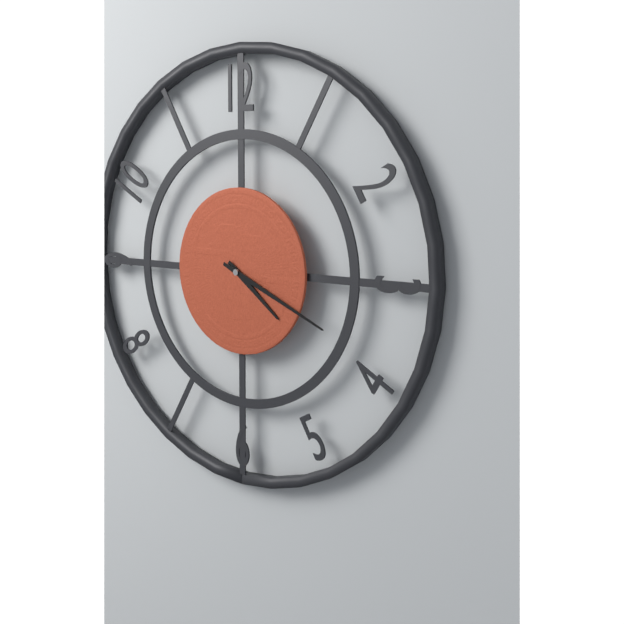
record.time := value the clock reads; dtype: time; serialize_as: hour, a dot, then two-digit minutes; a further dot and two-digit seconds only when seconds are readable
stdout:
4.19
